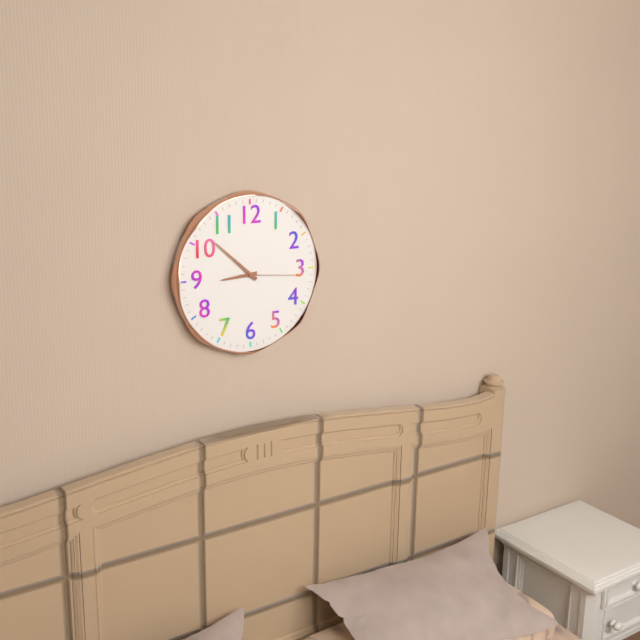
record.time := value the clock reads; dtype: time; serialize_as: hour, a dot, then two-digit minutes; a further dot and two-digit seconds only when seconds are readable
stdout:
8.52.16
